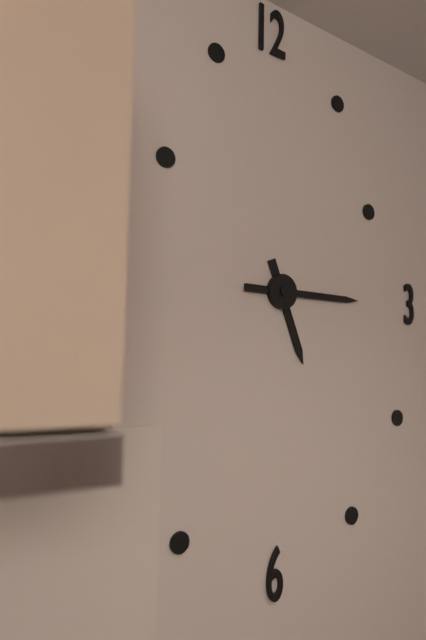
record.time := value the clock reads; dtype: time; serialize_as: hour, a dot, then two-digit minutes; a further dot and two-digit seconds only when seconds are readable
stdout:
5.15
